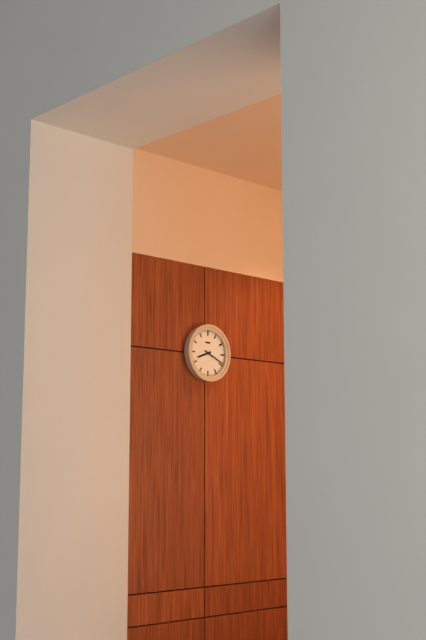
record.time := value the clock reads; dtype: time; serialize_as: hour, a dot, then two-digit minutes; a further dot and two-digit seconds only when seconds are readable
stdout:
8.19
